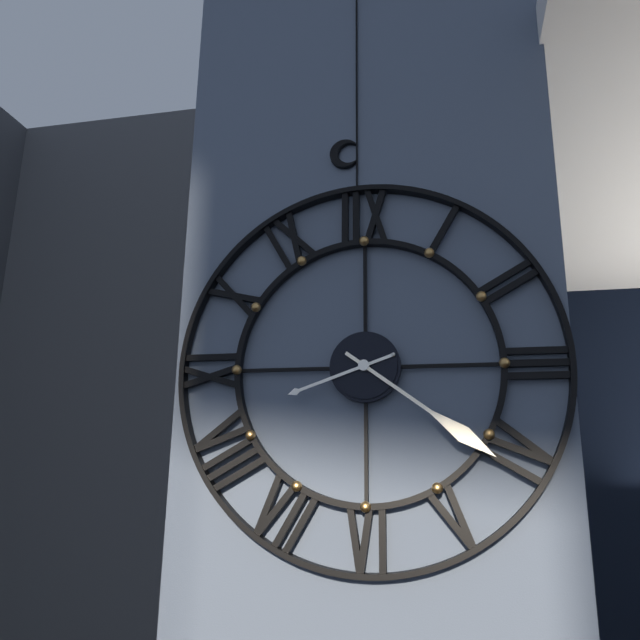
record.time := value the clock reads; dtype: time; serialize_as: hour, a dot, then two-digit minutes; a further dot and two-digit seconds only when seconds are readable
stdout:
8.21
